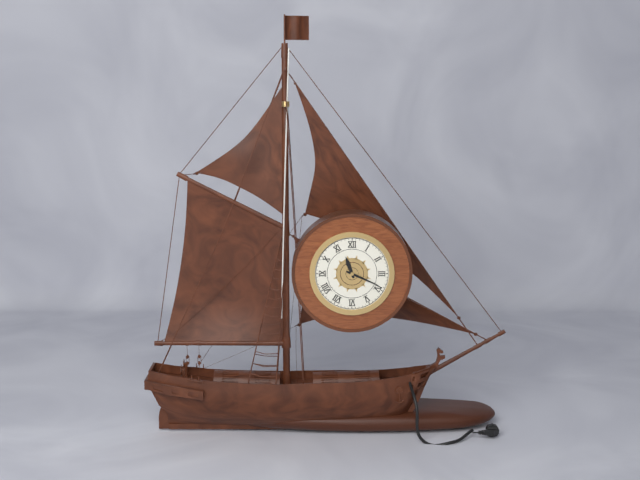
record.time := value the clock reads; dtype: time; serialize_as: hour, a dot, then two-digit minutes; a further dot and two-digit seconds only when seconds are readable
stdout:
11.19
